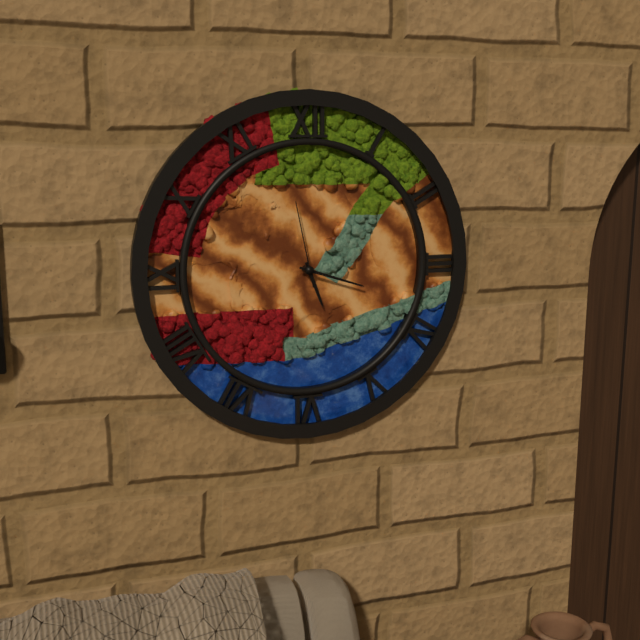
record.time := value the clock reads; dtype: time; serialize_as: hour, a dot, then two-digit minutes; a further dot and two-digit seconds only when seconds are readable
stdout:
5.18.58
